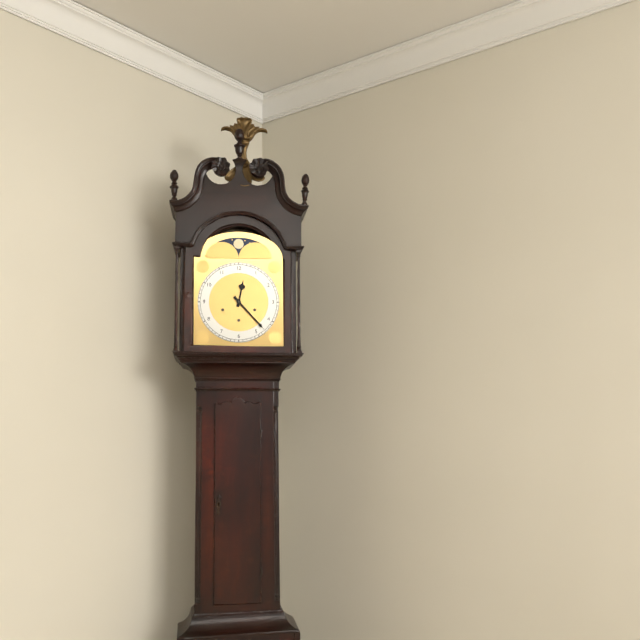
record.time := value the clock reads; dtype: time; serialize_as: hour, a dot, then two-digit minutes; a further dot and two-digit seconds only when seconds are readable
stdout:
12.23
